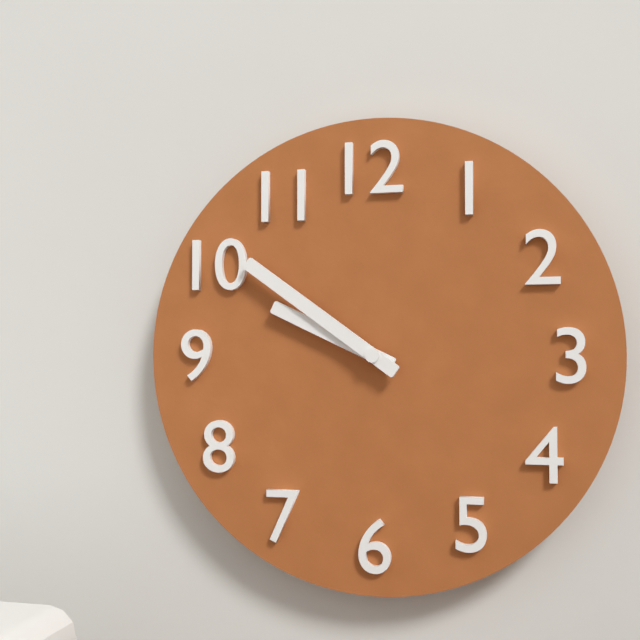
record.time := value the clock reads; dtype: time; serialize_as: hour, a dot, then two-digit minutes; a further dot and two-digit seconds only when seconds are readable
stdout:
9.51
